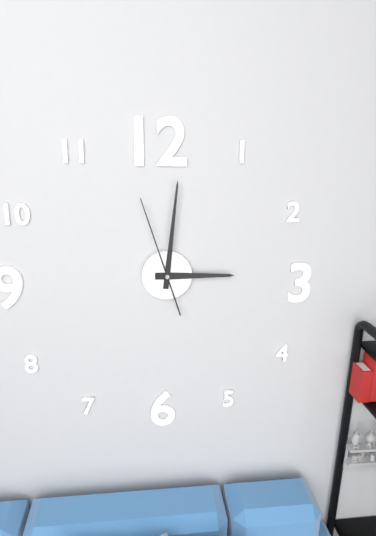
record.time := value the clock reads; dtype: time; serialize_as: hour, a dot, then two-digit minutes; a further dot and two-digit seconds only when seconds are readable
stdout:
3.01.57
